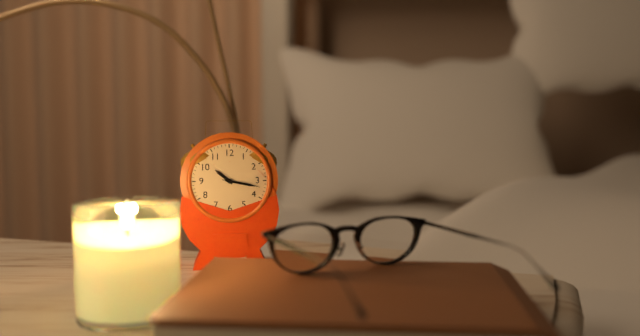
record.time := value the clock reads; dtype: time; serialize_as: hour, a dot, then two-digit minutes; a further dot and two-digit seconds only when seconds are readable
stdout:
10.17
